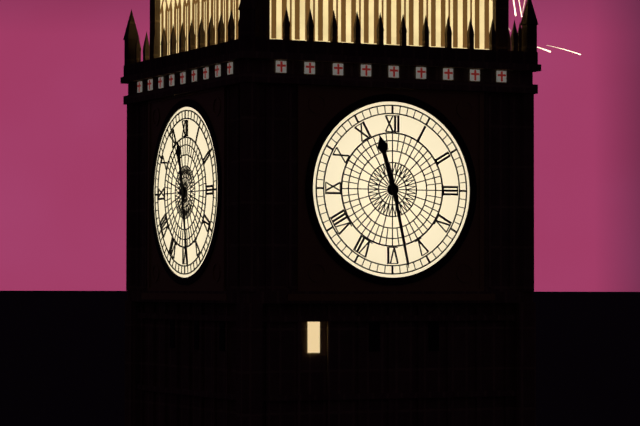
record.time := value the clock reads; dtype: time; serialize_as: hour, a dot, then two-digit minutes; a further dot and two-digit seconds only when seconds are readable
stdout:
11.28
